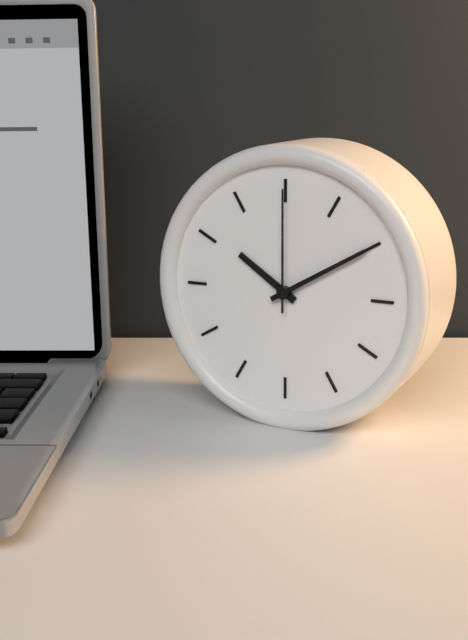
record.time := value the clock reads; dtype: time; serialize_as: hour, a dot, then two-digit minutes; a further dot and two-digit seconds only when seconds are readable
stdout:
10.10.00
